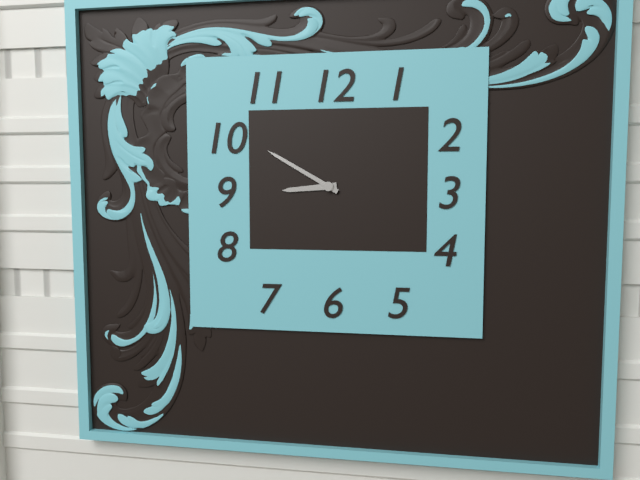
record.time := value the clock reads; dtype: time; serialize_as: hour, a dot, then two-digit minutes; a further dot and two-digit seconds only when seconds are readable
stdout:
8.50
